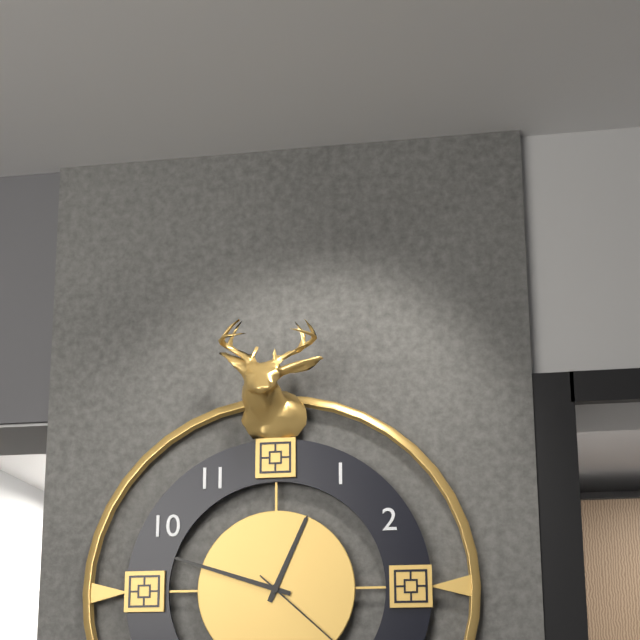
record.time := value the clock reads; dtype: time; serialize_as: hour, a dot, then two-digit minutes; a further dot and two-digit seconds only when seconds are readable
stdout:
12.48
